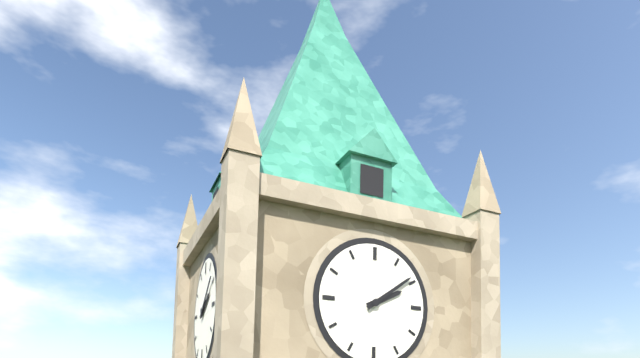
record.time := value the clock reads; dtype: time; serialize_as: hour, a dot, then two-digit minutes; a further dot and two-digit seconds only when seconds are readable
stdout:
2.09
